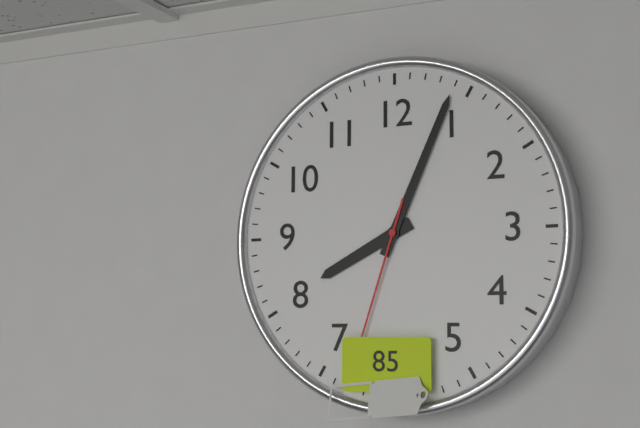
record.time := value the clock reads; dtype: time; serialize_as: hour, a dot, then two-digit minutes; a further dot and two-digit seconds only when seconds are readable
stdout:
8.04.33
